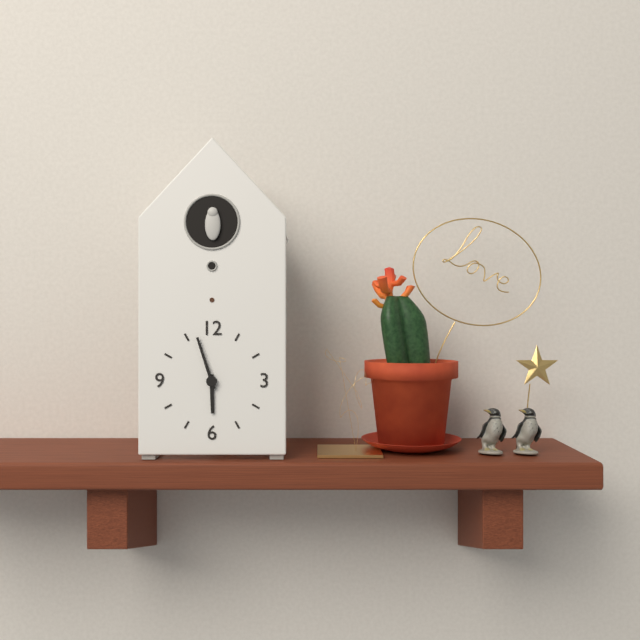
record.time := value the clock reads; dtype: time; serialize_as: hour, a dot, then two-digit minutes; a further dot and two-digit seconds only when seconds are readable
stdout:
5.57
